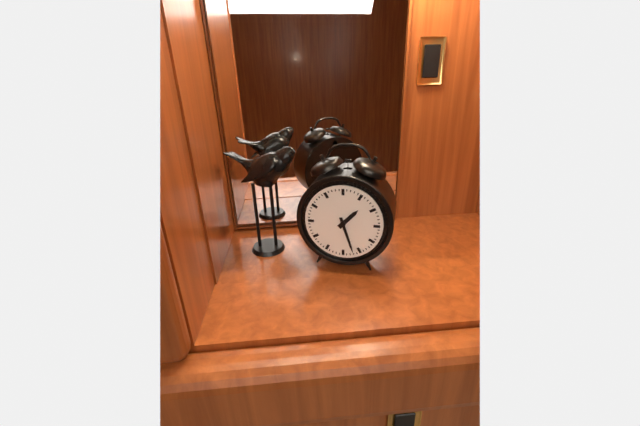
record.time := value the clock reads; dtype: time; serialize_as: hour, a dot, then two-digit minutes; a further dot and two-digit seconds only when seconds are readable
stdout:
1.27
